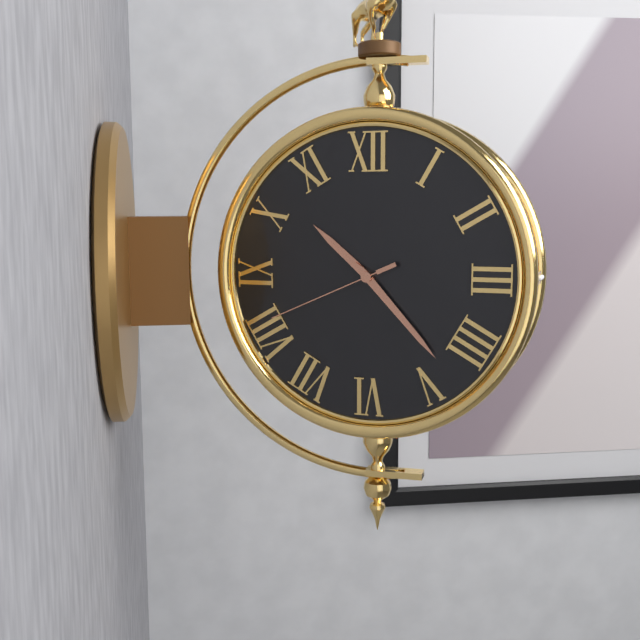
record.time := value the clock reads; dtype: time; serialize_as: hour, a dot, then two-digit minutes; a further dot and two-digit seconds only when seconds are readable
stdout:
10.23.41
